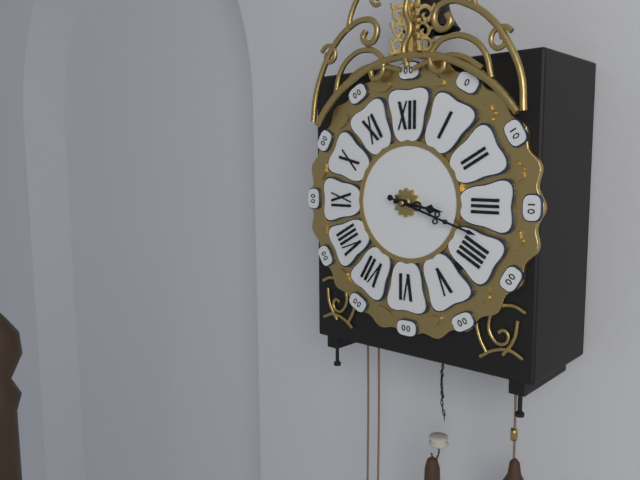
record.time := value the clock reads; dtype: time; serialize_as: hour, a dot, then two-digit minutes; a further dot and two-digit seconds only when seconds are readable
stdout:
3.18
